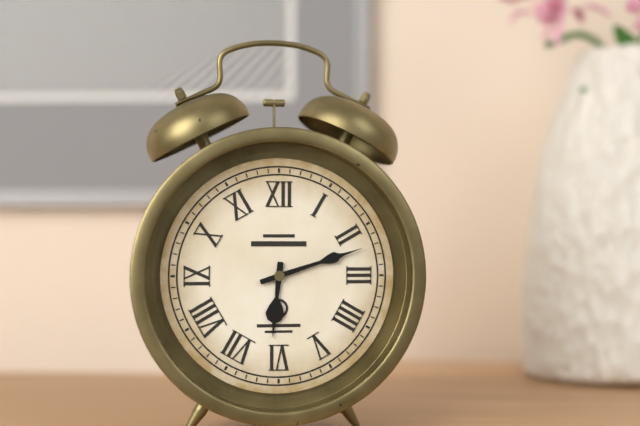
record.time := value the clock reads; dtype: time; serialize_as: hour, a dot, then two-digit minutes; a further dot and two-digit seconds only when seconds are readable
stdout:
6.12
